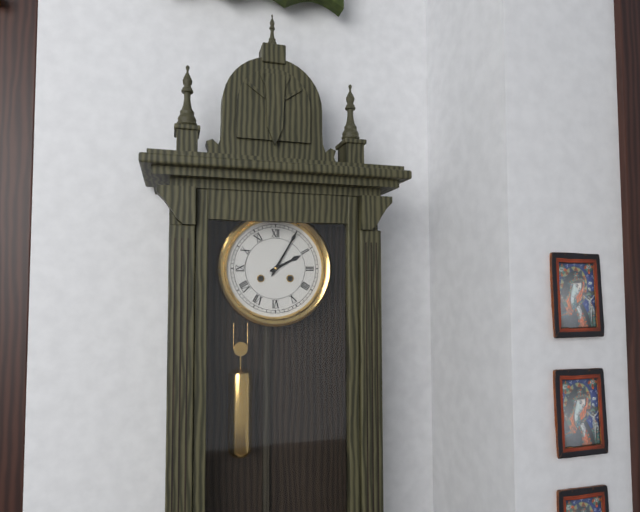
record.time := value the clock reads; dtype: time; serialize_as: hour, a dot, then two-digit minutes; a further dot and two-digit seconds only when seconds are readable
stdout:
2.05
